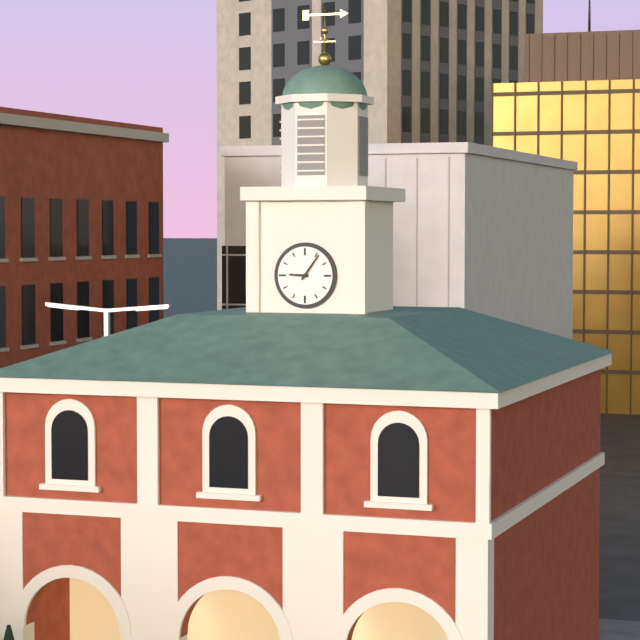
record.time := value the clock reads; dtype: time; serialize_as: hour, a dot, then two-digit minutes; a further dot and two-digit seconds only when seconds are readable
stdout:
9.06
